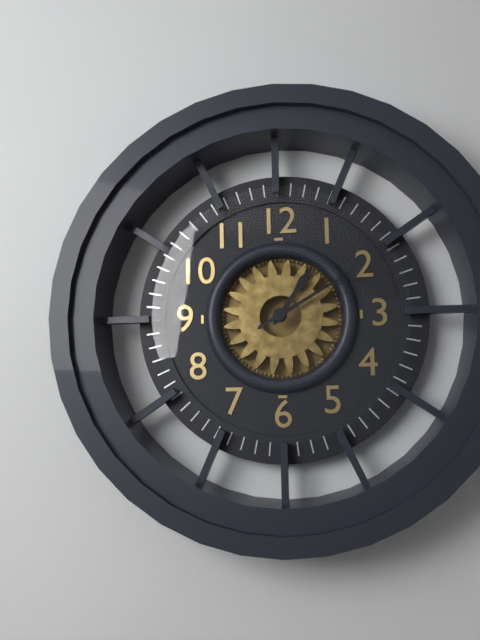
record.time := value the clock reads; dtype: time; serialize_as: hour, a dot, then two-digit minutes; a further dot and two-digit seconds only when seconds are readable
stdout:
1.10
